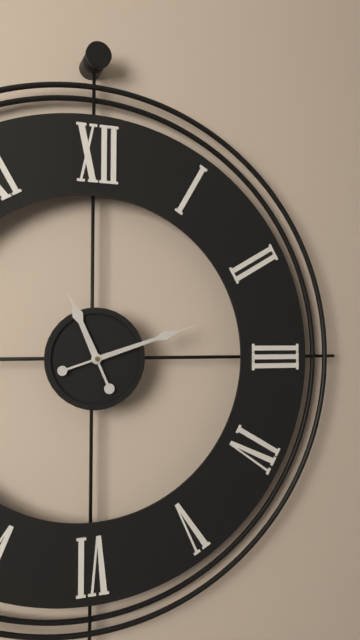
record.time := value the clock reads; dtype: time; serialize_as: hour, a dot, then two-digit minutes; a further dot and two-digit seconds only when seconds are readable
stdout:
11.12
